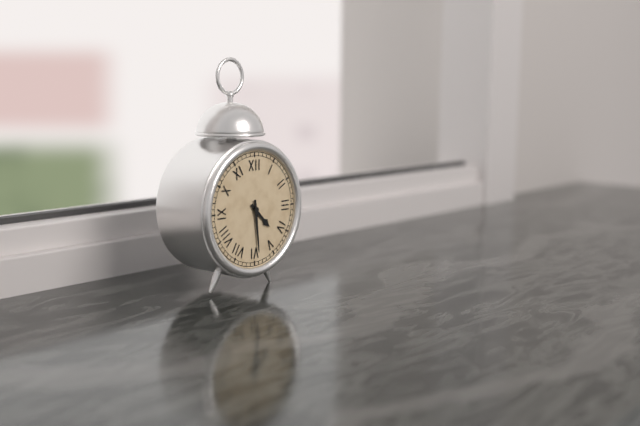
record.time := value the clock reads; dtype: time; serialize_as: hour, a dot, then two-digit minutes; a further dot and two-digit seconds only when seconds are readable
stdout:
4.29
